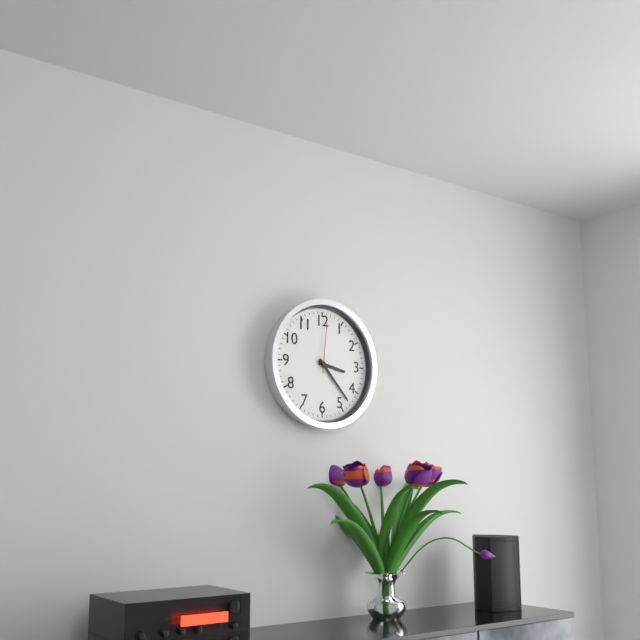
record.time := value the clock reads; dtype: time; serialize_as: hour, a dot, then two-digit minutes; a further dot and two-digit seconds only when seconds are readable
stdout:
3.23.01
